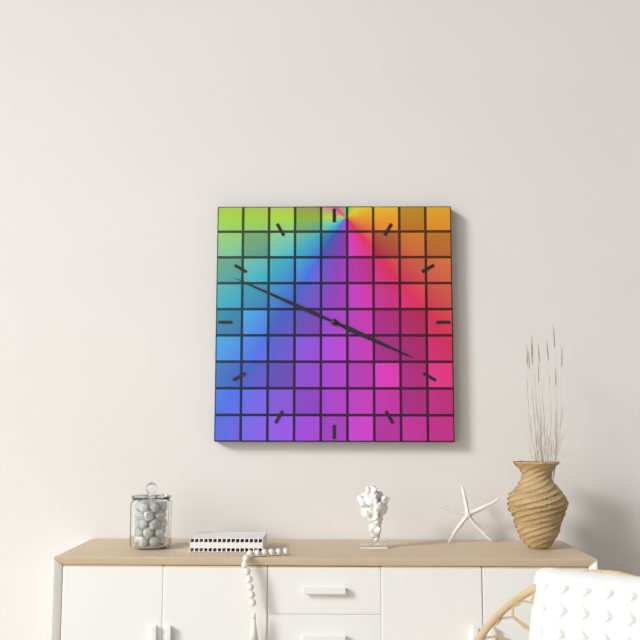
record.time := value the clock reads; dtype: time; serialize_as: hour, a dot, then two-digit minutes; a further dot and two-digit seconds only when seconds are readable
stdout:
3.49
